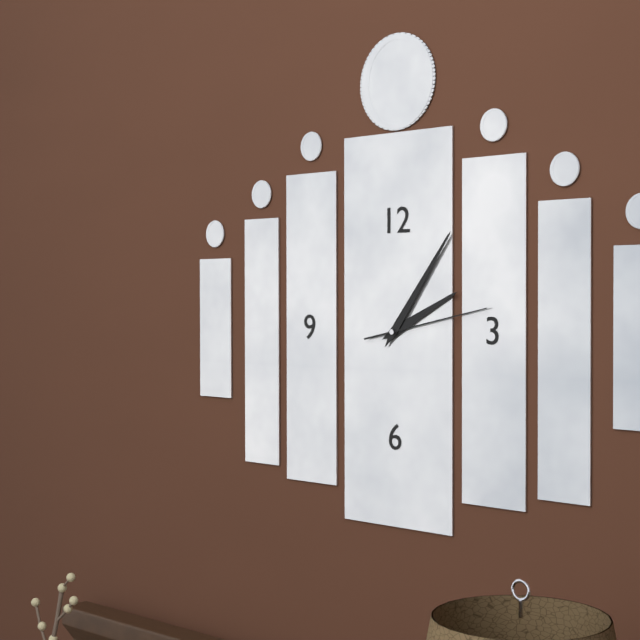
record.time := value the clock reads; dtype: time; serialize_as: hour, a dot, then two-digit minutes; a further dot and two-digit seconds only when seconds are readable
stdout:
2.06.13
